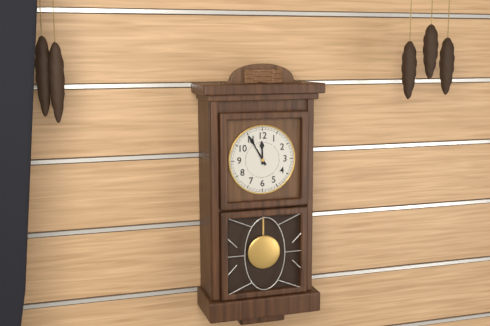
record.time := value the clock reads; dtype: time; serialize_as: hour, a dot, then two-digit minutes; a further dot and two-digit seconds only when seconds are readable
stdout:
11.55
